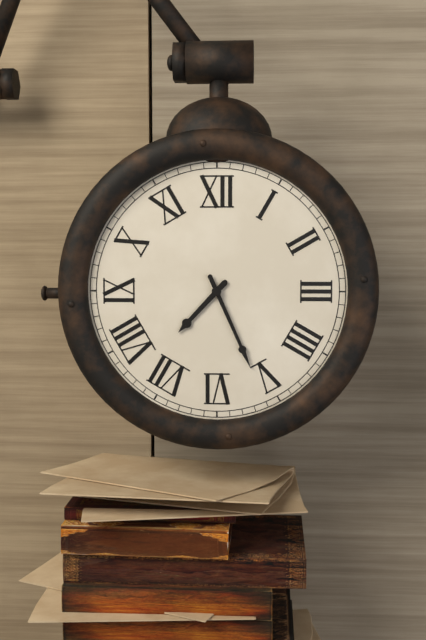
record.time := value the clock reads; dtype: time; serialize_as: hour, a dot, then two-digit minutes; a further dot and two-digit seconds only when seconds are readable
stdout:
7.26
